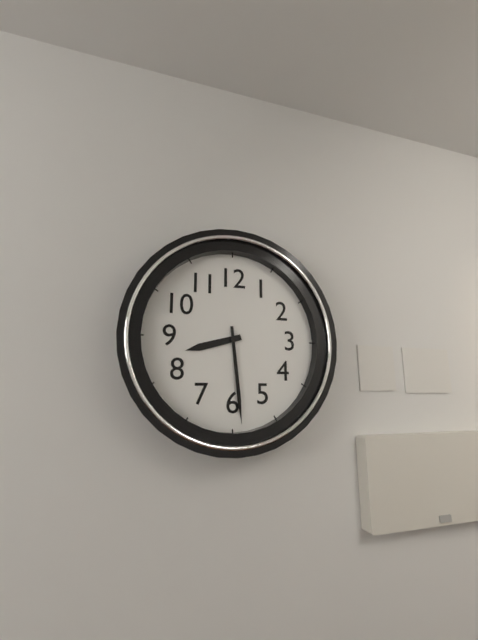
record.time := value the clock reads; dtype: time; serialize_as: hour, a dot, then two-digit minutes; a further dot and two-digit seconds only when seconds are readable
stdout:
8.29
